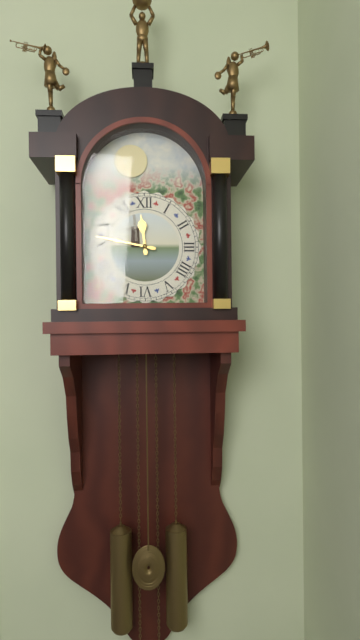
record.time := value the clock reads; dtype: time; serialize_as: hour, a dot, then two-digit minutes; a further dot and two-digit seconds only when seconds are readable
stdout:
11.47
